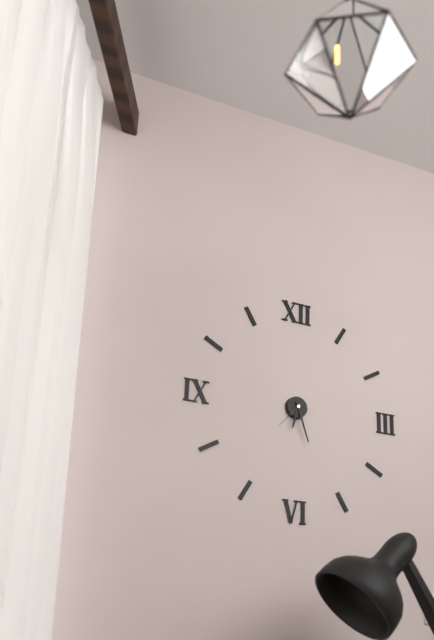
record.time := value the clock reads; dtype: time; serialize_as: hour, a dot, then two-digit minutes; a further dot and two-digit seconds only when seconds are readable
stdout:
6.27
